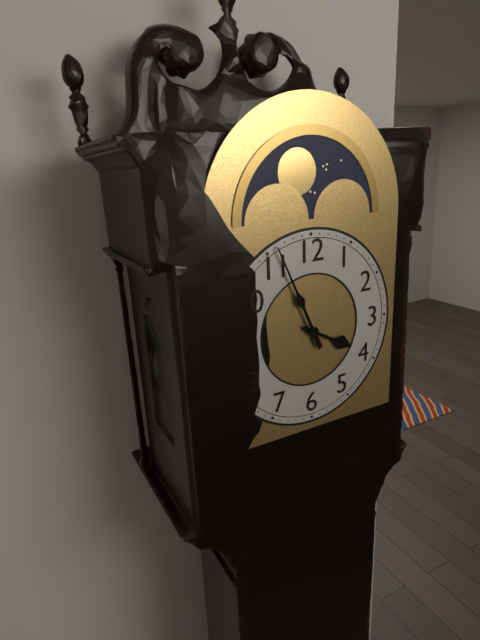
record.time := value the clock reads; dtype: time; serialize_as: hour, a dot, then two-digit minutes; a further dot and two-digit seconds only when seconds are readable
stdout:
3.56
